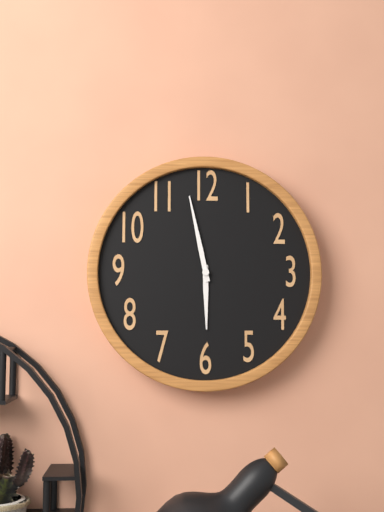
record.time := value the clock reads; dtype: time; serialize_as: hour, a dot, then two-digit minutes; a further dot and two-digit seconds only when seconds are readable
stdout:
5.58
